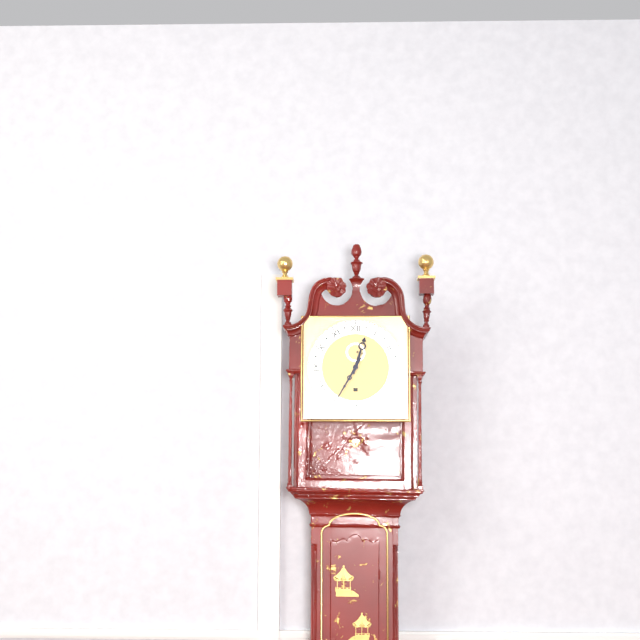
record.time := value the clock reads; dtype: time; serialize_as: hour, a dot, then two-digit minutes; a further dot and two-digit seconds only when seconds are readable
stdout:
12.35
